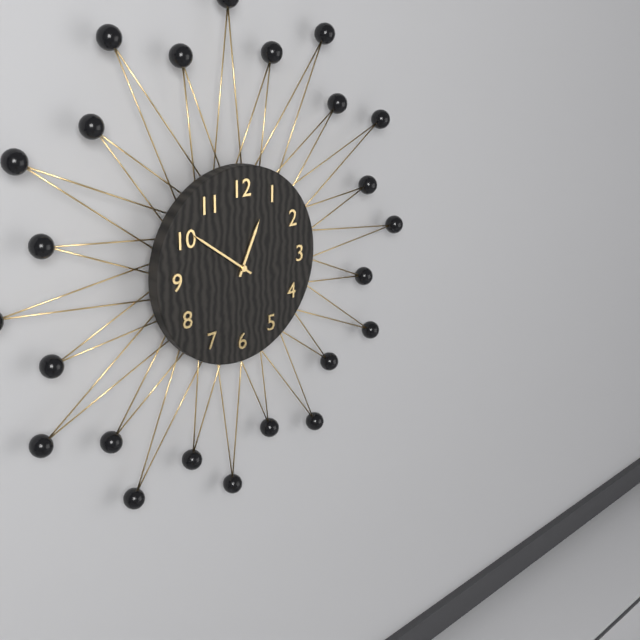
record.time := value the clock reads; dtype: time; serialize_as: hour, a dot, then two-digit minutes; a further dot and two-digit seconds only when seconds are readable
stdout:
12.51
